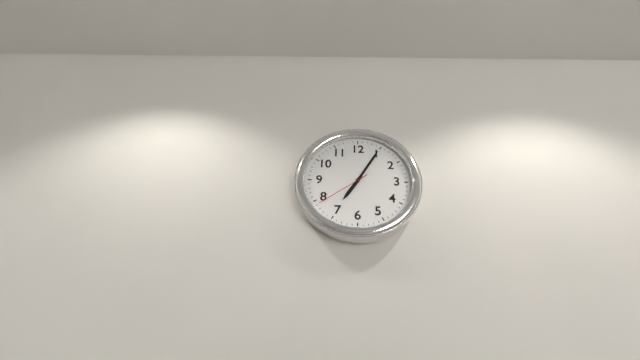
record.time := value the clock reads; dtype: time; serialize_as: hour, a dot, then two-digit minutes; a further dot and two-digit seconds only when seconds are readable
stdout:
7.05.39
